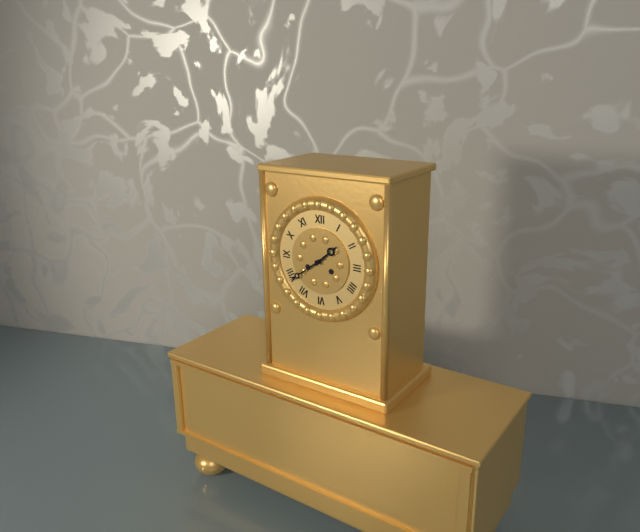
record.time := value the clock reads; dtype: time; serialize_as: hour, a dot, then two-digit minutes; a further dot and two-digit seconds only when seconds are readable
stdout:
1.39
